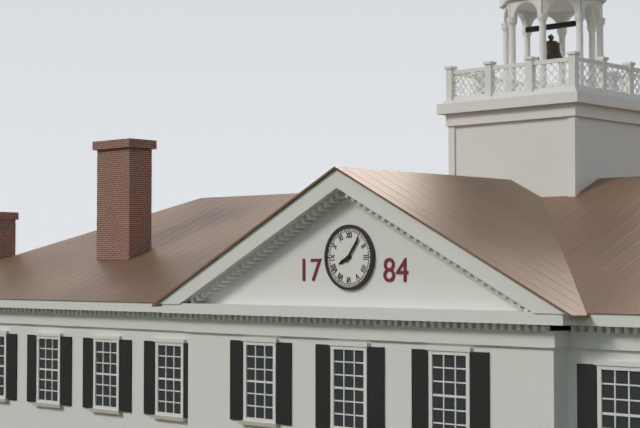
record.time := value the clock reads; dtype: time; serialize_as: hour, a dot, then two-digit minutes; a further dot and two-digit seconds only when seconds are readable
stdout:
8.06
